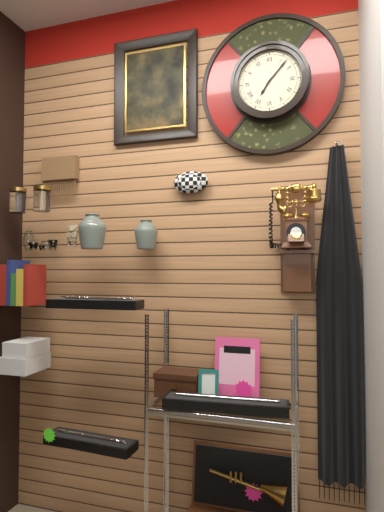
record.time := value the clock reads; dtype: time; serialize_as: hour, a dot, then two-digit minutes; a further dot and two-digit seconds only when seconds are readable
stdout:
7.07
